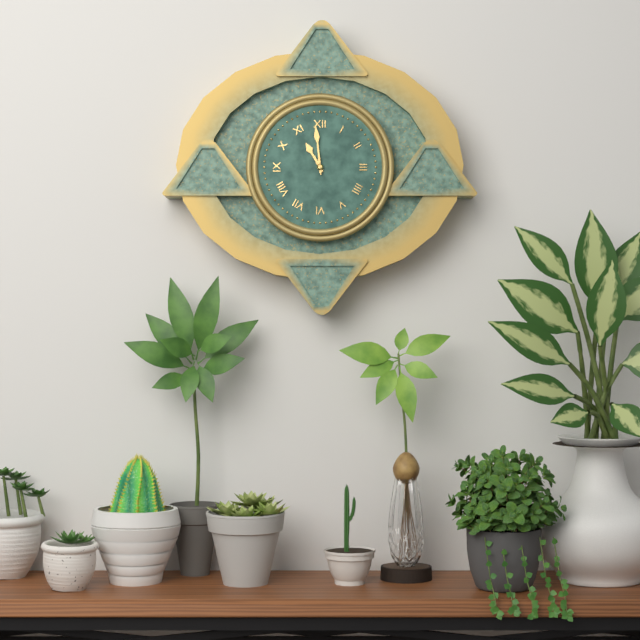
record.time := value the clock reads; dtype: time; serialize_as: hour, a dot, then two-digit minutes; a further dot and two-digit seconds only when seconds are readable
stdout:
10.59
